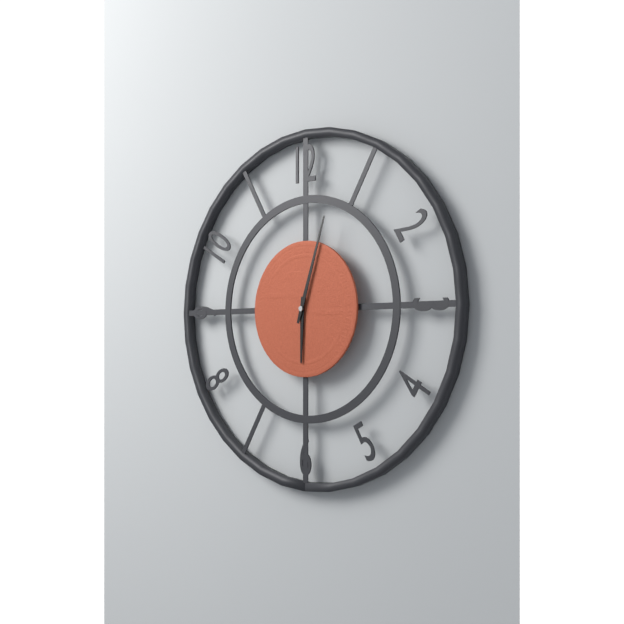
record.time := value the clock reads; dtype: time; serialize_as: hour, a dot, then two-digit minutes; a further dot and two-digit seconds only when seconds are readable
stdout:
6.03
